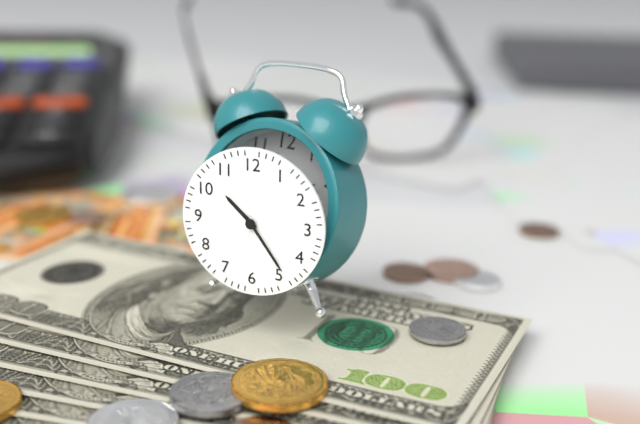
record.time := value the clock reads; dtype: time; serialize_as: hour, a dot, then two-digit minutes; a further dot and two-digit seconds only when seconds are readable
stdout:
10.24
